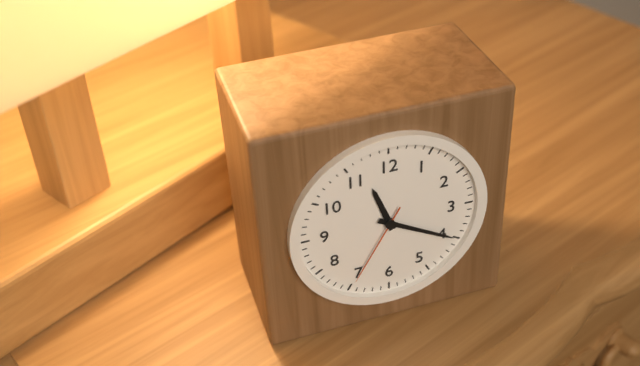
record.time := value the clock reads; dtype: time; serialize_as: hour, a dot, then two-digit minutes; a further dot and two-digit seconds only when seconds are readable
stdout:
11.20.35
